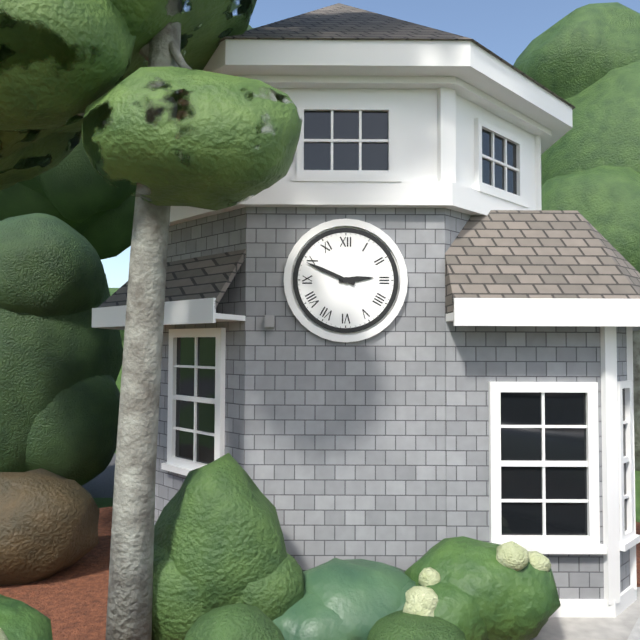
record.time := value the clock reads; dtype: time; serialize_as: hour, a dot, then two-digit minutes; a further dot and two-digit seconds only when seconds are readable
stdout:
2.49
